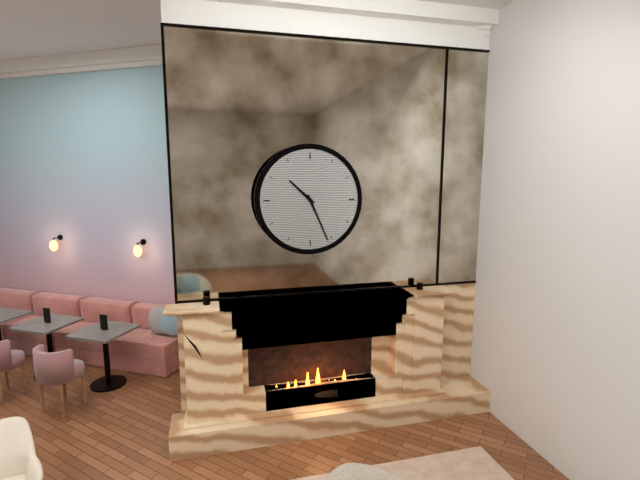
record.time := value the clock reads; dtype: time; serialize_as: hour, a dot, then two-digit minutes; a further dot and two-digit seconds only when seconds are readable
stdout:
10.26
